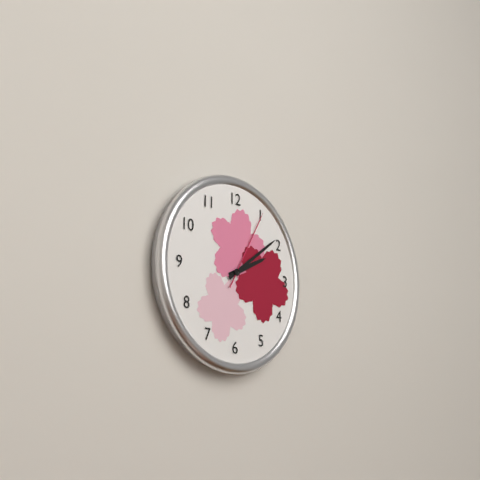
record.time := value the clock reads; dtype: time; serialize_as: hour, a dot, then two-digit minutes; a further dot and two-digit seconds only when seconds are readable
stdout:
2.09.05
